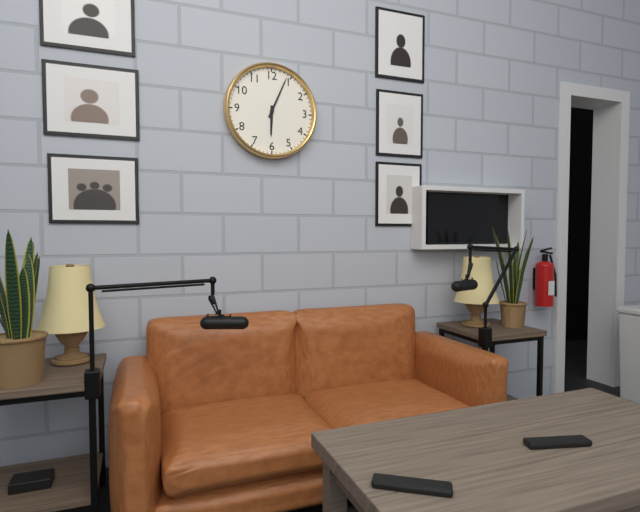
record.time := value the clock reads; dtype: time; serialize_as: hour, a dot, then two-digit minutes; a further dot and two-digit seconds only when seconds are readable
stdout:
6.04
